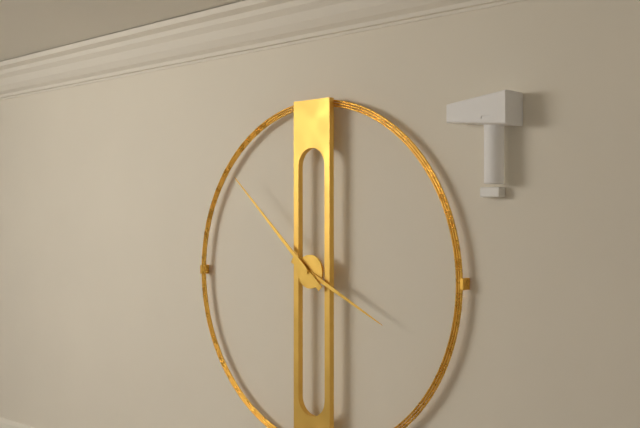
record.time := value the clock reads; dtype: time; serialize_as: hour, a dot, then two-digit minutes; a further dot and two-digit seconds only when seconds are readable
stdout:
3.52
